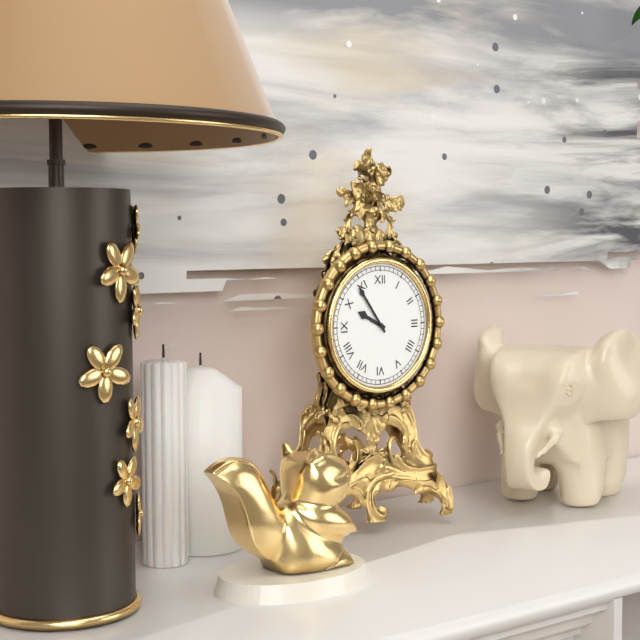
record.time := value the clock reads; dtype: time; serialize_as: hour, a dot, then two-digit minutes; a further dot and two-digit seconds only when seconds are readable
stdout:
9.54
